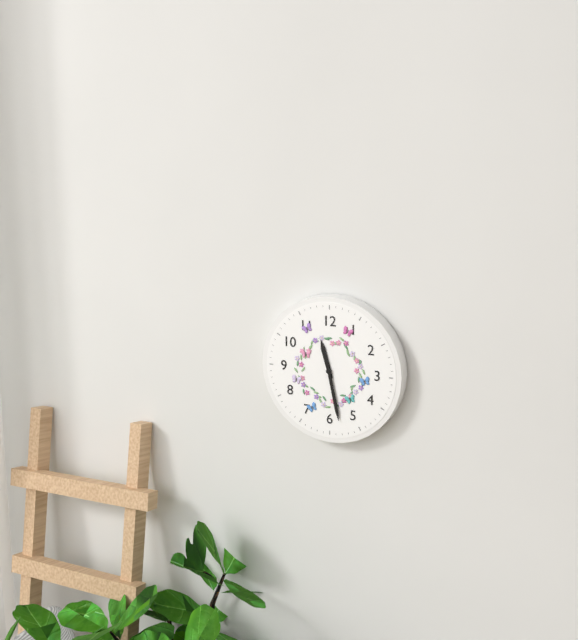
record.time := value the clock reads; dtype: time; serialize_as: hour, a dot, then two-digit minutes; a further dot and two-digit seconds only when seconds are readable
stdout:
11.28
